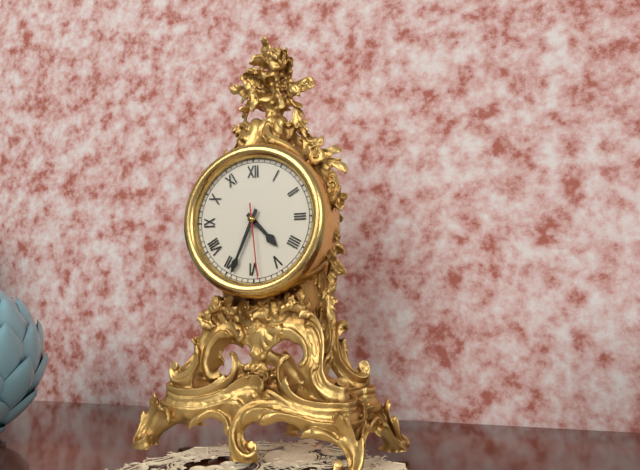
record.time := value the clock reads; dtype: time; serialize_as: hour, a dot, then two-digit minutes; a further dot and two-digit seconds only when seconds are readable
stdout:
4.34.29
